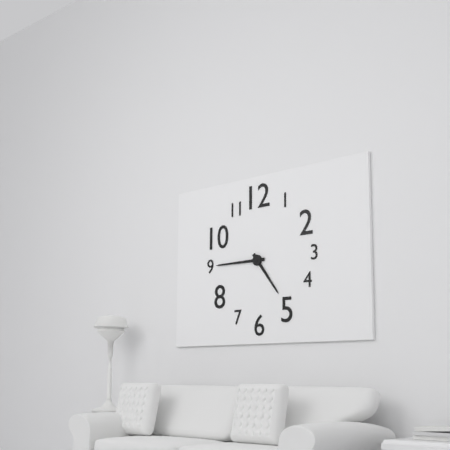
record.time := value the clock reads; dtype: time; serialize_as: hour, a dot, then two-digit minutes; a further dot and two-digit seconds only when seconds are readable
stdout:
4.45
